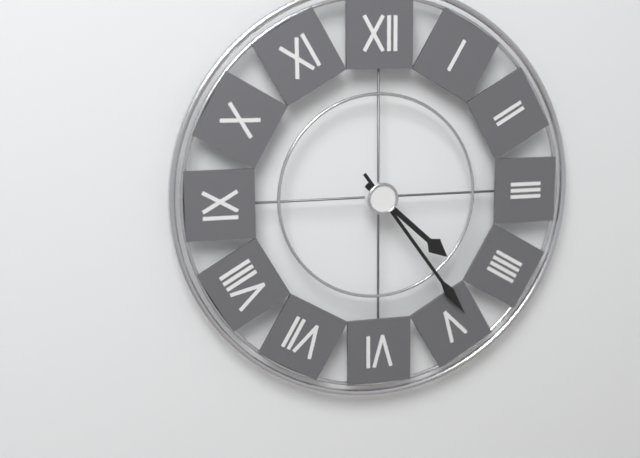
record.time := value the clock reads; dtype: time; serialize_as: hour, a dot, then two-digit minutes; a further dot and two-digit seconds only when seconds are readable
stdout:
4.24
